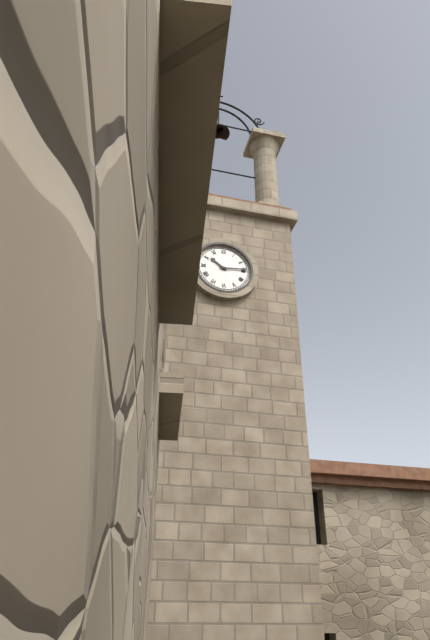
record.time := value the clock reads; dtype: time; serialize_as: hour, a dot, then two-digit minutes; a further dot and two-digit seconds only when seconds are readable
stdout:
10.14
